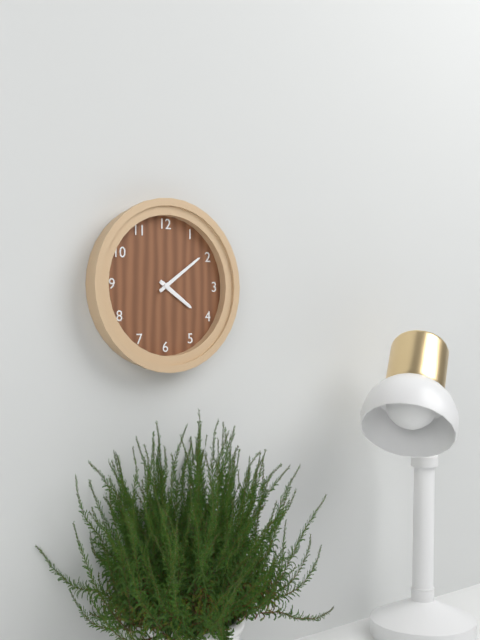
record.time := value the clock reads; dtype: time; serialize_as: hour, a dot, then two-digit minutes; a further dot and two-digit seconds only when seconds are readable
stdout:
4.09
